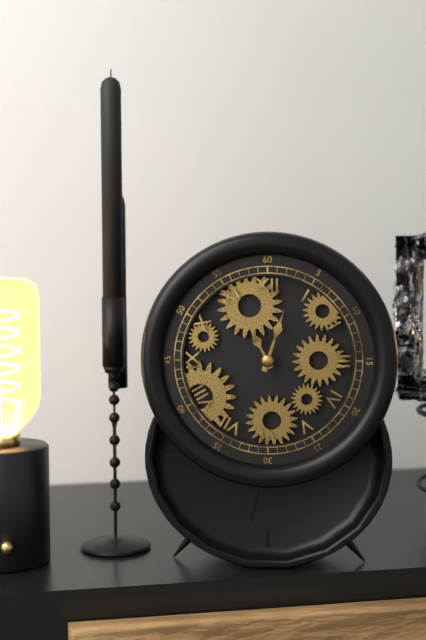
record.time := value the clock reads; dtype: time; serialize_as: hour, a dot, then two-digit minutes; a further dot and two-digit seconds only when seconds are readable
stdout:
11.03
